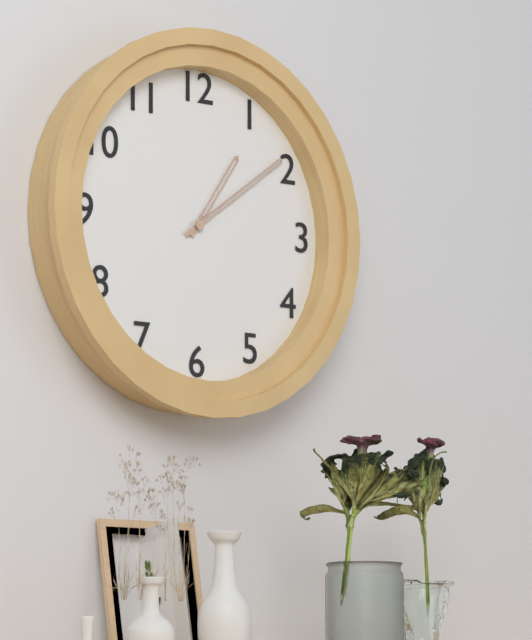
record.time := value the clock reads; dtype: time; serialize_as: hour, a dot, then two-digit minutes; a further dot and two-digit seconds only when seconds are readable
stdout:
1.09
